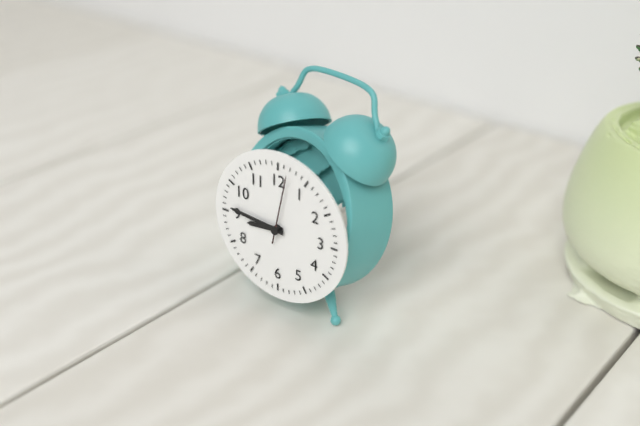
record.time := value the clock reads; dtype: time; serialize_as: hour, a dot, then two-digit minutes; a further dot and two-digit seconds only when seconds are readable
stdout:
8.46.02
